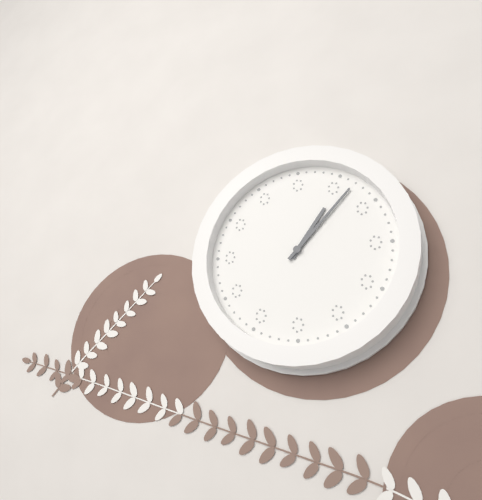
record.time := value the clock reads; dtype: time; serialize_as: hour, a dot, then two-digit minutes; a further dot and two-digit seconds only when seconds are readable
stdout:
1.07
